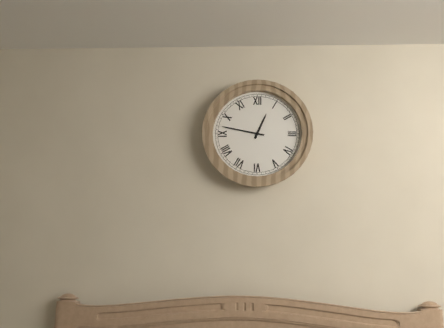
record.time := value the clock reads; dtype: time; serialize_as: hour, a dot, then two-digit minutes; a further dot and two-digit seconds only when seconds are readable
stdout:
12.47
